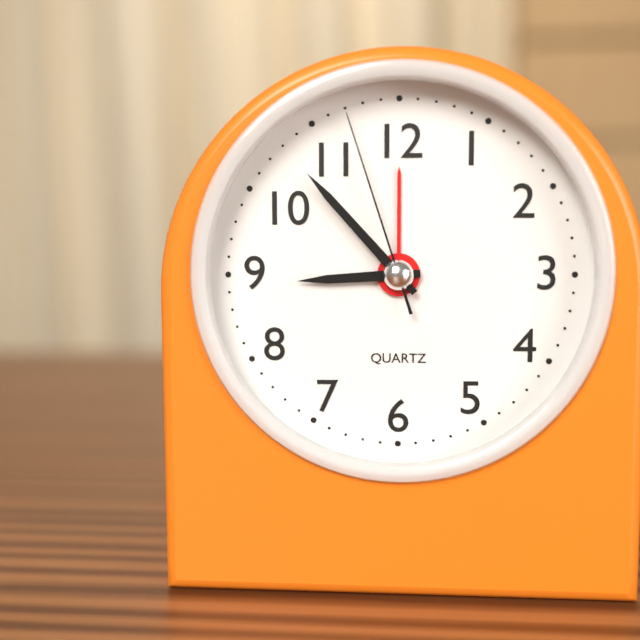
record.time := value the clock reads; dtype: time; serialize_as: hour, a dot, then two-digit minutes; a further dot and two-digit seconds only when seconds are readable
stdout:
8.53.57
